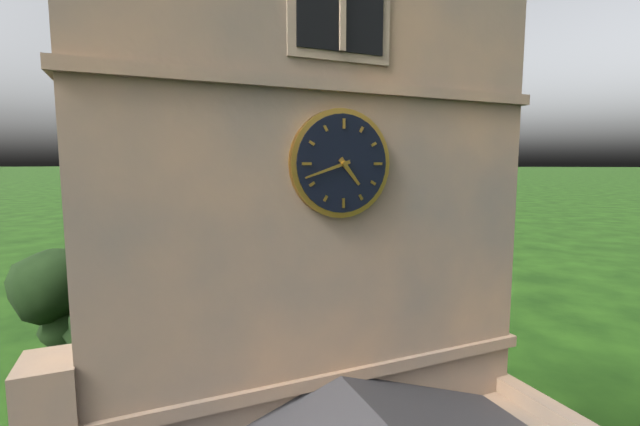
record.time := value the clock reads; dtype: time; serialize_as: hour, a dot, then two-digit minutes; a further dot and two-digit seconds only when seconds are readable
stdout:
4.42
